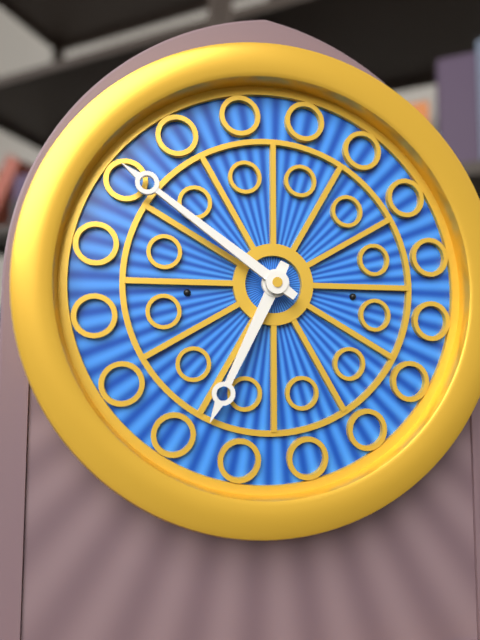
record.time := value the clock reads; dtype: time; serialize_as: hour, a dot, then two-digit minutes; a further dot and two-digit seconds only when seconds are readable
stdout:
6.51
